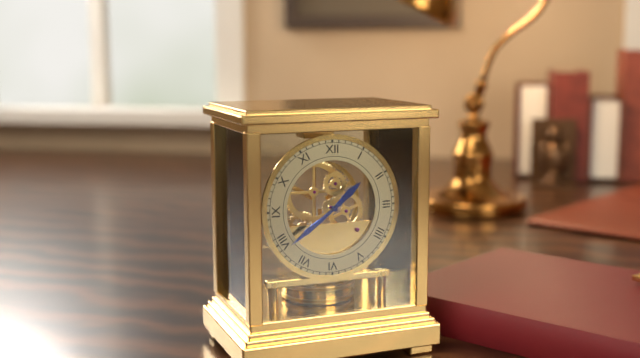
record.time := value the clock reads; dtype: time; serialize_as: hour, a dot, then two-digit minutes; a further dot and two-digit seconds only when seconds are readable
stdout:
1.39
